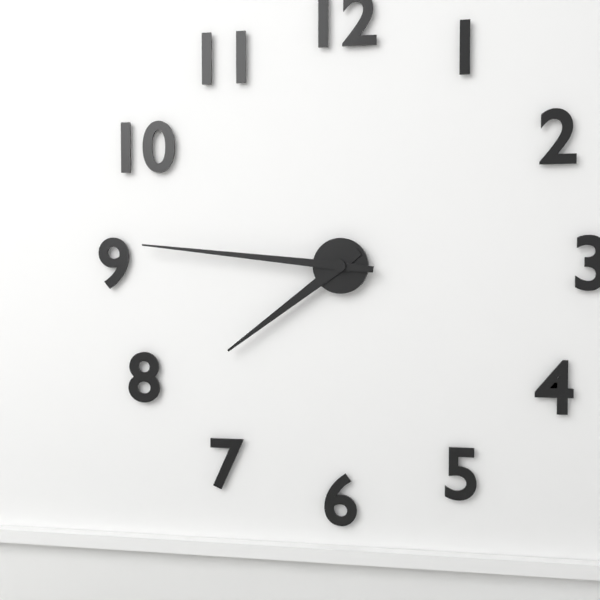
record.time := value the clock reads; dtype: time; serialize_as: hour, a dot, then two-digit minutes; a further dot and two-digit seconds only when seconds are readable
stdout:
7.46
